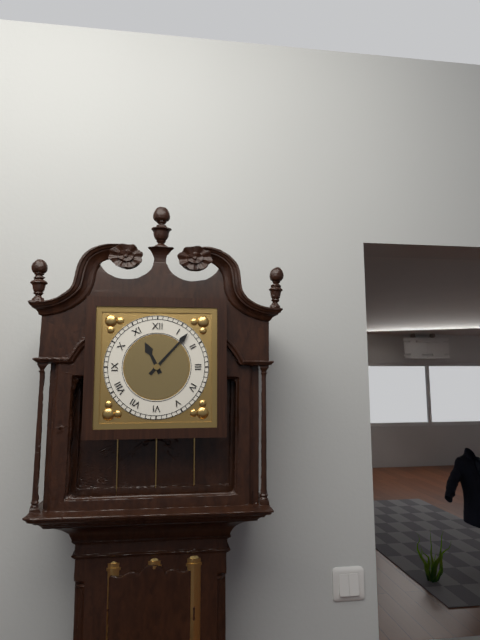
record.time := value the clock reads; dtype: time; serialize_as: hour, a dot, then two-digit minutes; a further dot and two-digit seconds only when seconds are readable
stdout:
11.07
